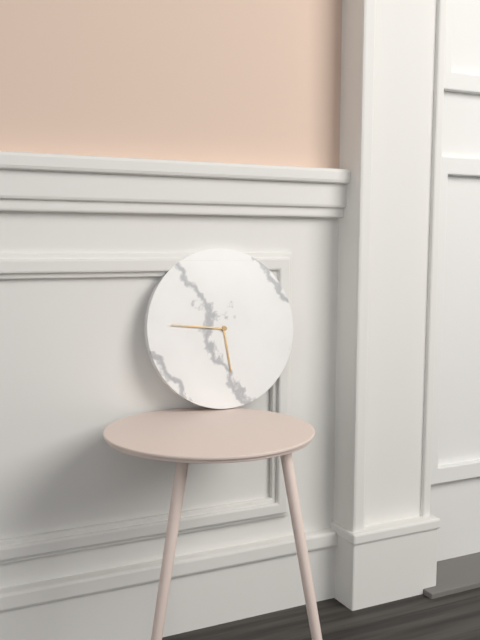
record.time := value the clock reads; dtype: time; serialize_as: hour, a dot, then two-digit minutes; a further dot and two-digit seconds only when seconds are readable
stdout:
5.46
